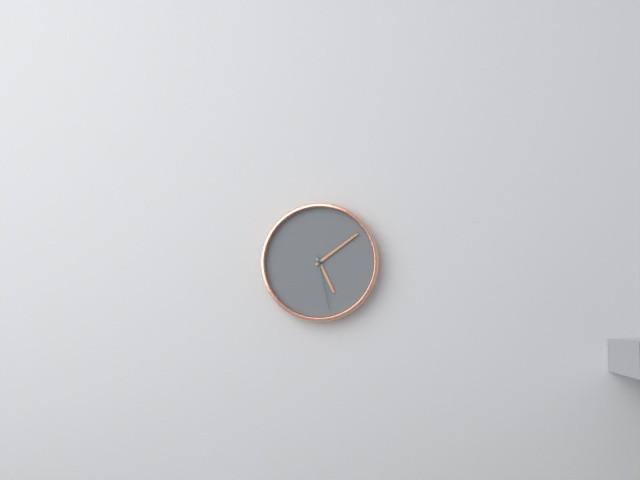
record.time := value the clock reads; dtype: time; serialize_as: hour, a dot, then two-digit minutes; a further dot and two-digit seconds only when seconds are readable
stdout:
5.09.28
